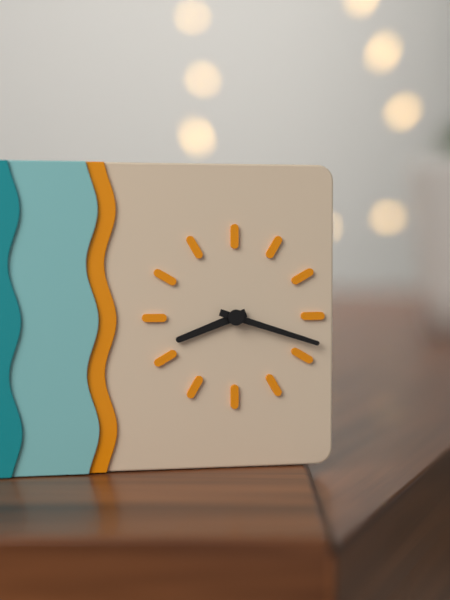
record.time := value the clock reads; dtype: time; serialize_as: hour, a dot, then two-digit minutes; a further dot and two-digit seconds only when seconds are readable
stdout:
8.18
